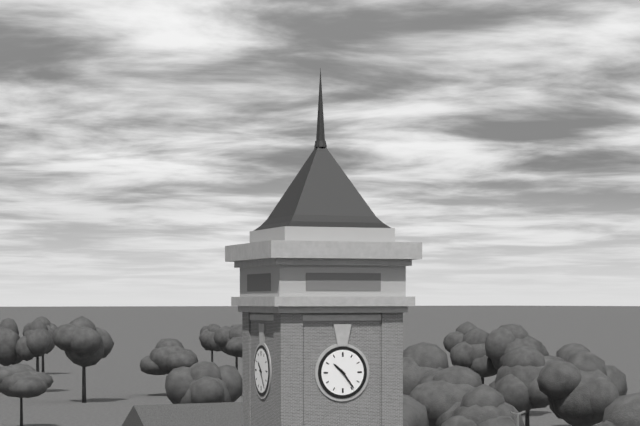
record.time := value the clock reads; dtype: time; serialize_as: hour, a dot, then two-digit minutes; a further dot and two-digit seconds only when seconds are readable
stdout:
10.24
